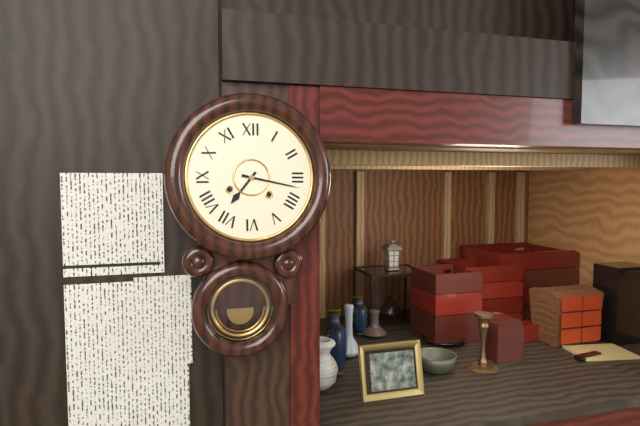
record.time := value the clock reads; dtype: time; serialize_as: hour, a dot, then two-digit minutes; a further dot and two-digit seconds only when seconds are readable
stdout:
7.17
